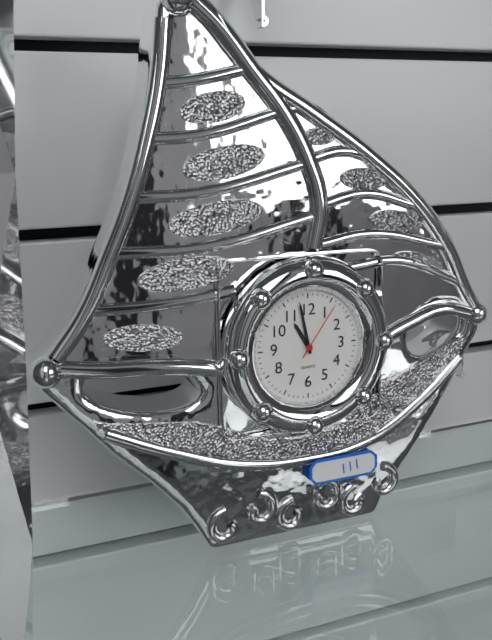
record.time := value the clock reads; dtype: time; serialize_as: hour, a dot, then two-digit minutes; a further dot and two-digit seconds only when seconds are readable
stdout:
10.58.06
